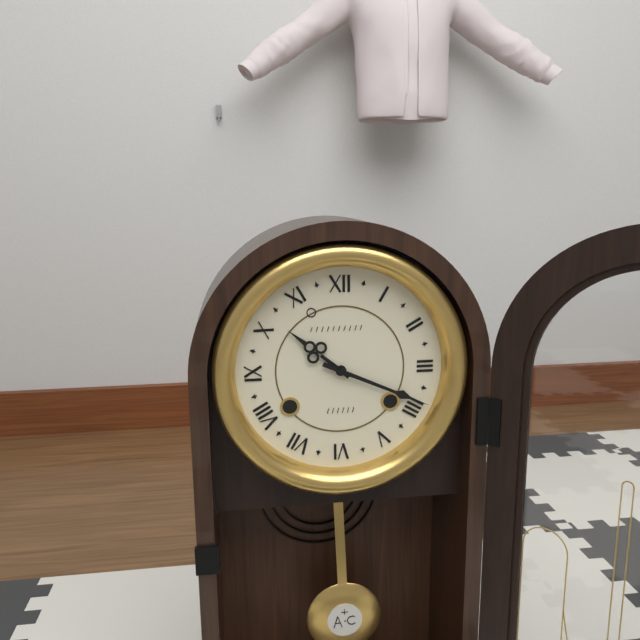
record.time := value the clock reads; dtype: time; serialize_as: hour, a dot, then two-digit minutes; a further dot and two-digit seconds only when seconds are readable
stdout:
10.19
